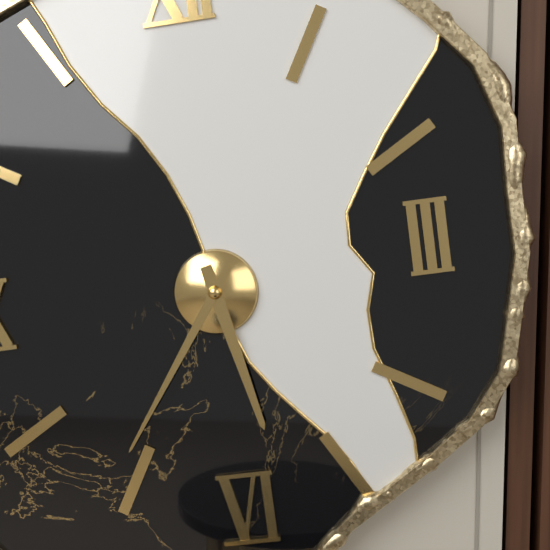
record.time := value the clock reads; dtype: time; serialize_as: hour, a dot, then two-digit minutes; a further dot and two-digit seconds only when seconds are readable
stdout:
5.36
